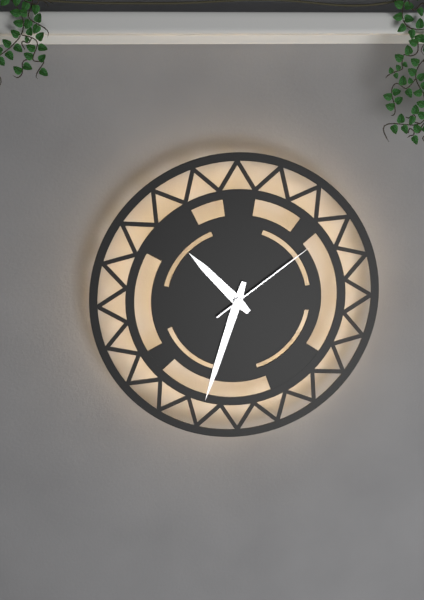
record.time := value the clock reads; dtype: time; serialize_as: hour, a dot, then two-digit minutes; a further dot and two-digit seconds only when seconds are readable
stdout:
10.33.09
